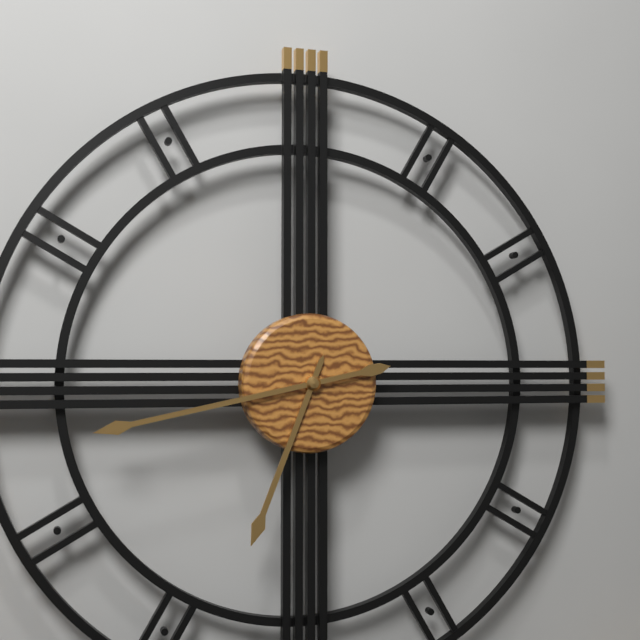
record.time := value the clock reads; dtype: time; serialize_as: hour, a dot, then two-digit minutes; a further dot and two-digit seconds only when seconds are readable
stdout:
6.43
